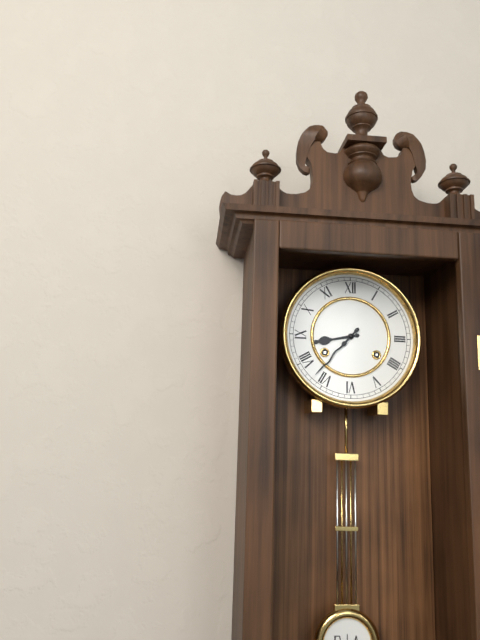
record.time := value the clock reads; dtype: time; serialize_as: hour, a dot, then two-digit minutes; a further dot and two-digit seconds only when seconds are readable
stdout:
8.37
